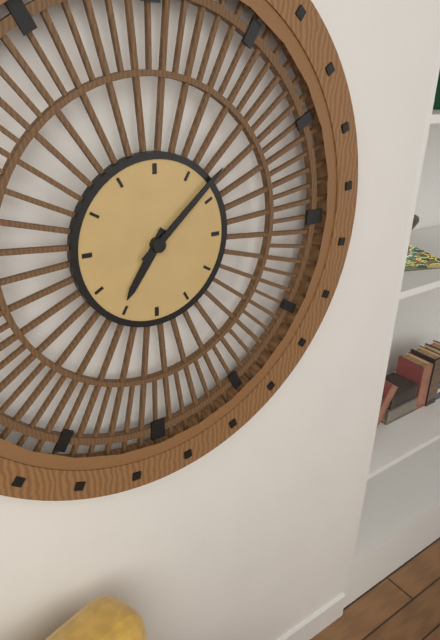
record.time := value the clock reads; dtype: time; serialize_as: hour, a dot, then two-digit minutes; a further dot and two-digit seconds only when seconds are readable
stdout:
7.08
